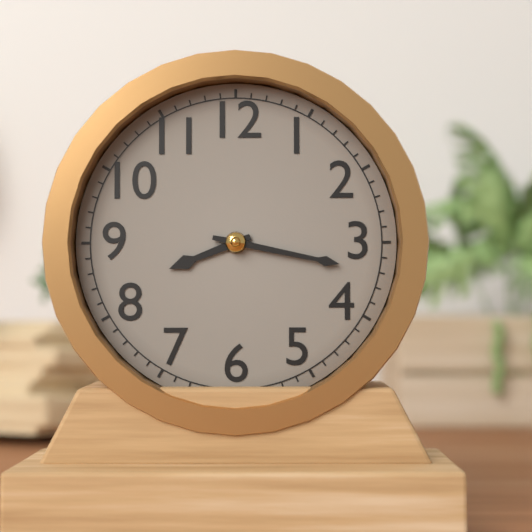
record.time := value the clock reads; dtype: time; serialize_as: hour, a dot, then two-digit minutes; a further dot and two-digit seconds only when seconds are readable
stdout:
8.17
